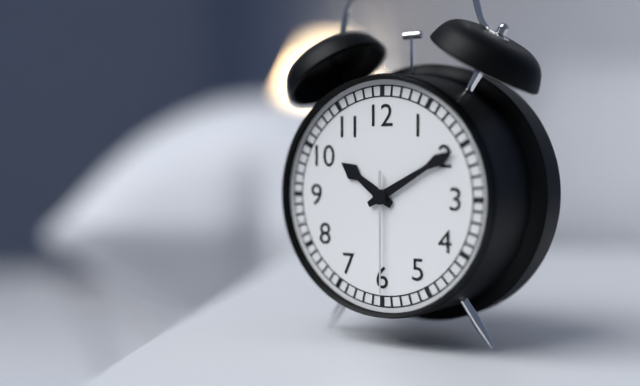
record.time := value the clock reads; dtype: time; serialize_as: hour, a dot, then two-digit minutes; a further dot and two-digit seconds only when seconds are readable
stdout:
10.10.30
